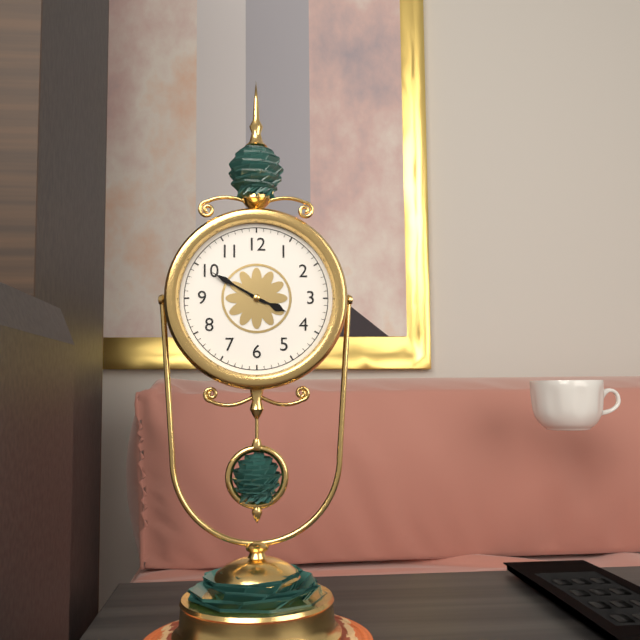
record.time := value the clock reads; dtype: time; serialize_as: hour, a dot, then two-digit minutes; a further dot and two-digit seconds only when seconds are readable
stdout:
3.50
